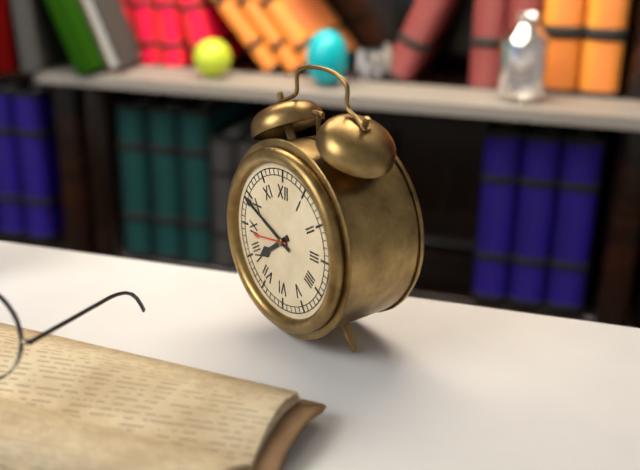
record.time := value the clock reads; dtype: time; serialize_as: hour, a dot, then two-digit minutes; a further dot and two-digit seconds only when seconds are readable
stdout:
7.49
